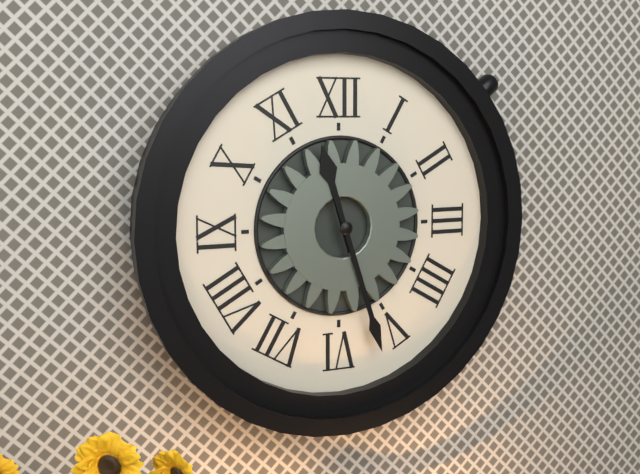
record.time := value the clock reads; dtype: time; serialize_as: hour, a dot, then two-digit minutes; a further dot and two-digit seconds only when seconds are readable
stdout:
11.27
